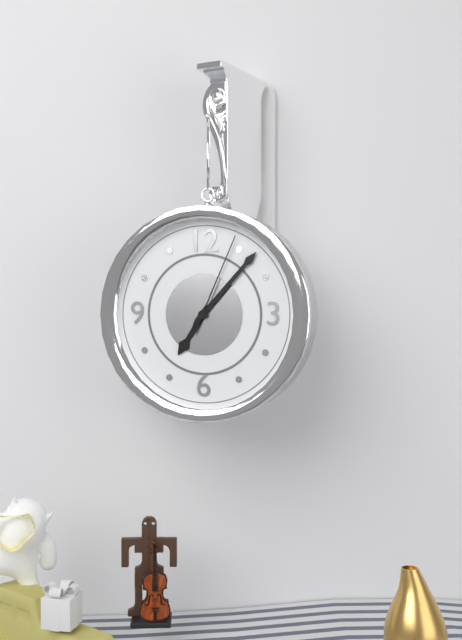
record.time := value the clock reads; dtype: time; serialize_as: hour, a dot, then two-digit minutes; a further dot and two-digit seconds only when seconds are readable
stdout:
7.07.04
